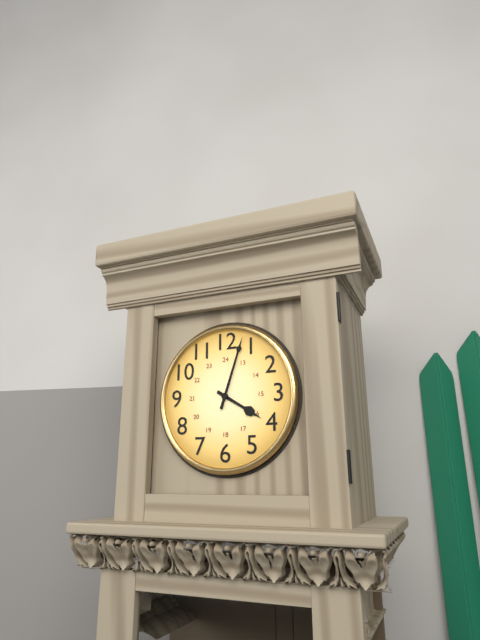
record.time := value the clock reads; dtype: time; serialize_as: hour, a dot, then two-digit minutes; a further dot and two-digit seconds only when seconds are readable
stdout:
4.03
